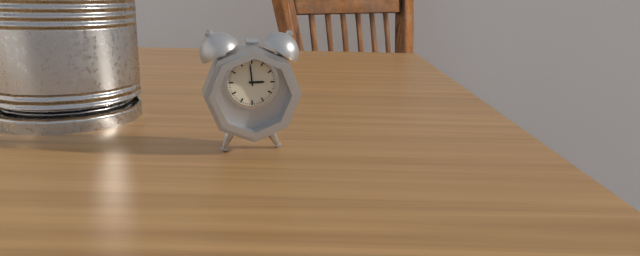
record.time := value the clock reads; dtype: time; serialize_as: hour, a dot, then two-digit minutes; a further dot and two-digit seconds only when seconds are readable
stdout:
2.59
